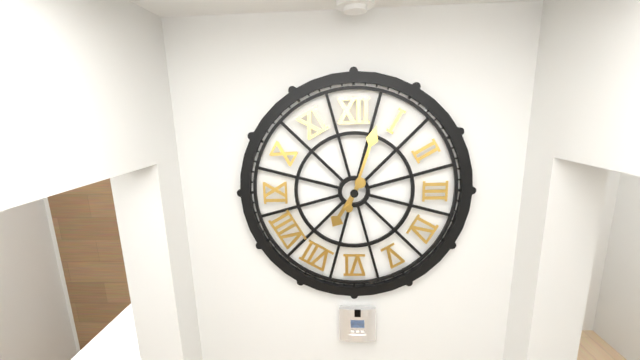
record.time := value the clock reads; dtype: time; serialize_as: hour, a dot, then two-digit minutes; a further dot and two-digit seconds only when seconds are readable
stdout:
7.03
